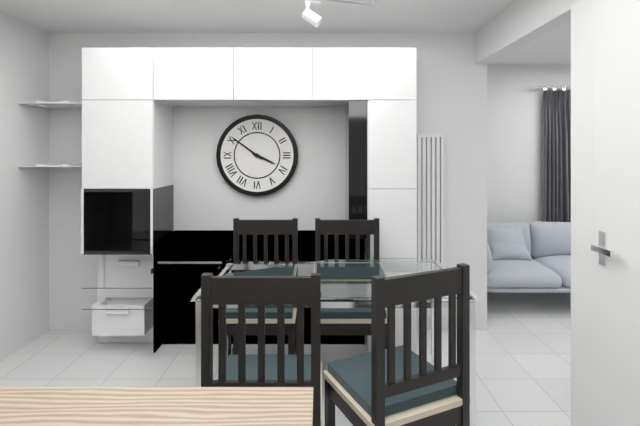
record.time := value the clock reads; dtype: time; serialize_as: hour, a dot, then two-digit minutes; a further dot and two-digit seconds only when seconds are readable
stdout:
3.51
